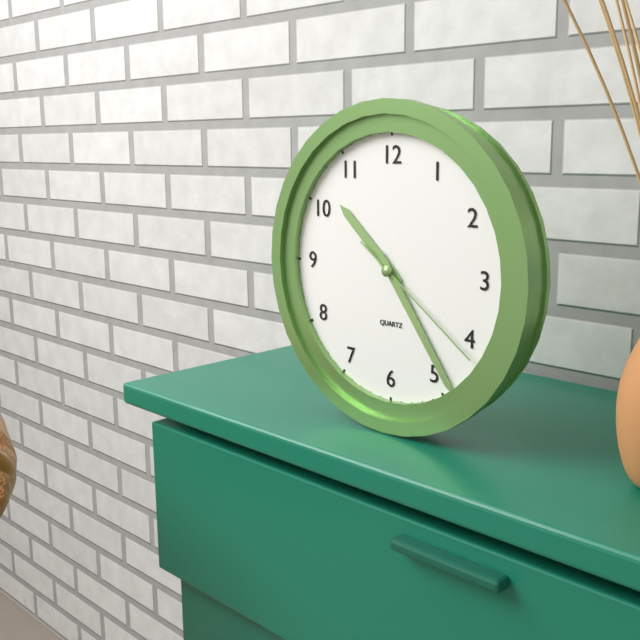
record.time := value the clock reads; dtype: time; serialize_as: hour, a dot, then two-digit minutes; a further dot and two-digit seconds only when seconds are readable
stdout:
10.24.21
